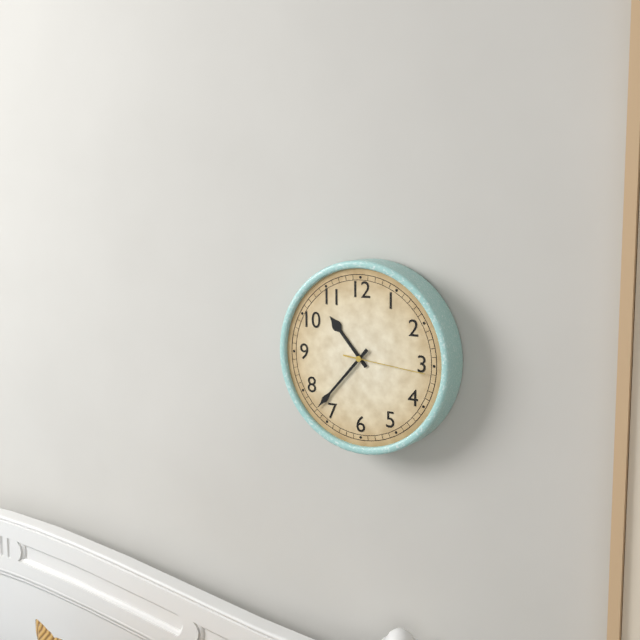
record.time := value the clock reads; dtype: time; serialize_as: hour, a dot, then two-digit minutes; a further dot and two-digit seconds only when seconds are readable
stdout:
10.37.16
